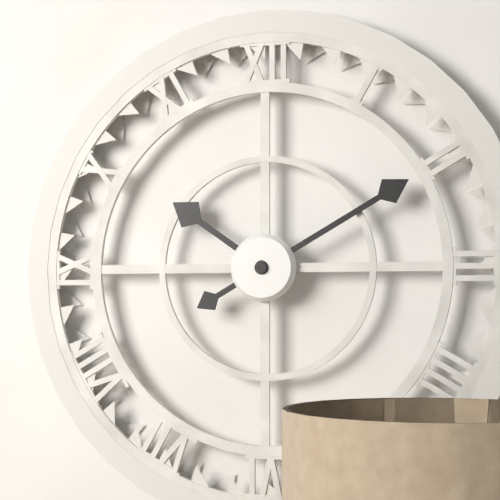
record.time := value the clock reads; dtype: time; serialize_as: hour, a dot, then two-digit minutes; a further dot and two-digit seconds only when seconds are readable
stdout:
10.10
